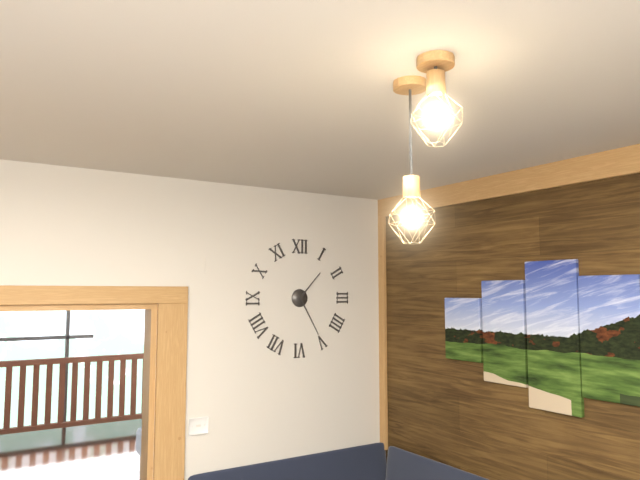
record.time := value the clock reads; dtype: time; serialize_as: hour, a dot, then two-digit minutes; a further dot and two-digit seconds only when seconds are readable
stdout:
1.25
